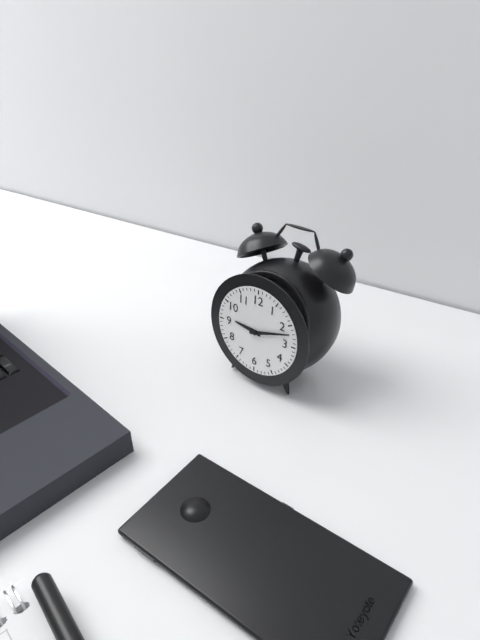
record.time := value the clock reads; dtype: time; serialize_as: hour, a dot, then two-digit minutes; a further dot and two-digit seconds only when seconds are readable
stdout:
9.12
